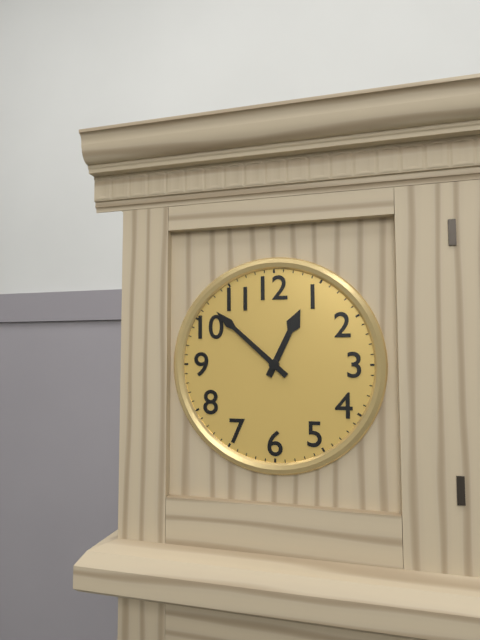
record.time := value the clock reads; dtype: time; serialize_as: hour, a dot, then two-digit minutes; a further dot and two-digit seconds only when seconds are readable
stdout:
12.52
